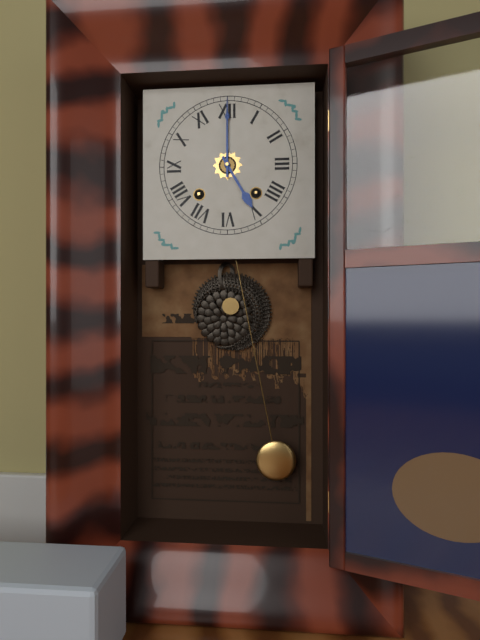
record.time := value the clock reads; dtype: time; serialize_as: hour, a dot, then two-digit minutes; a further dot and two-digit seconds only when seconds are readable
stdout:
5.00
